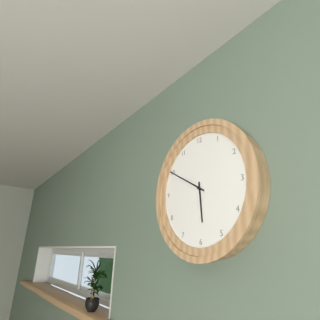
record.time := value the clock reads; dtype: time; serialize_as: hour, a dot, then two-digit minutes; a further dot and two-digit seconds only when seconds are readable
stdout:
5.50
